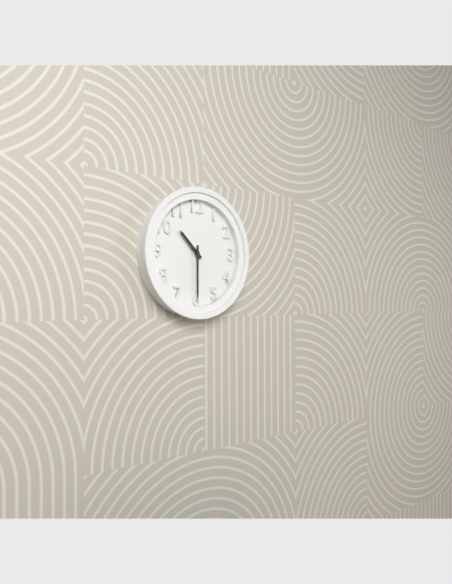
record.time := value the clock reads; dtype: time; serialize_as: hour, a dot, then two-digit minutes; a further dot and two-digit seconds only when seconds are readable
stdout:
10.30
